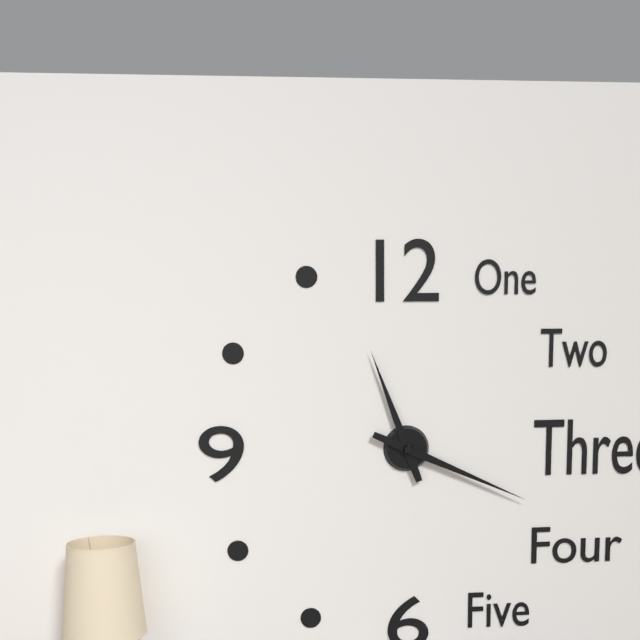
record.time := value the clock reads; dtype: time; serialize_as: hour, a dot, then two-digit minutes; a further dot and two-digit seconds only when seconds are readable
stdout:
11.19
